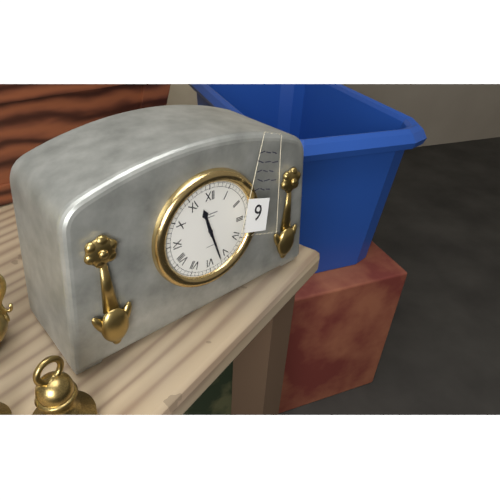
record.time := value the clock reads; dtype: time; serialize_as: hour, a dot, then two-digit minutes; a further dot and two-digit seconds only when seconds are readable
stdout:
11.27
